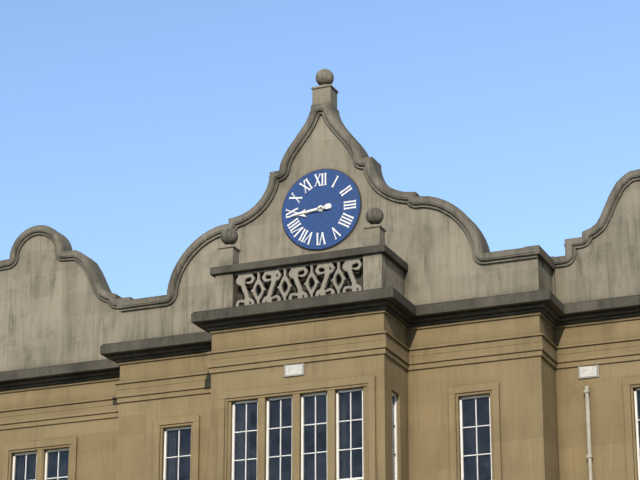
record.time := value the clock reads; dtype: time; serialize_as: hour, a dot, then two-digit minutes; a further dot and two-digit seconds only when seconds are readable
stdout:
8.44
